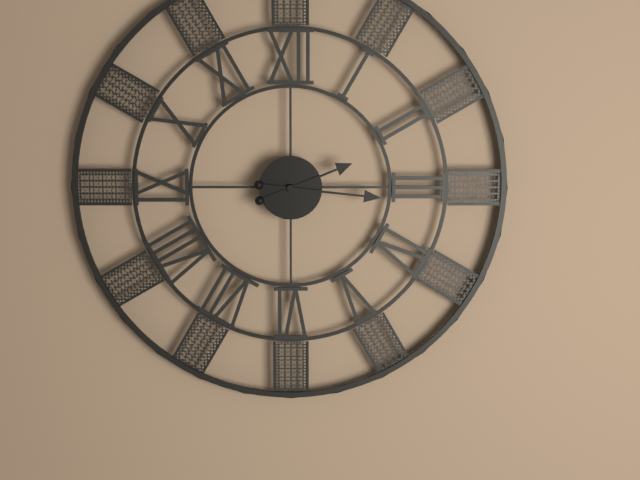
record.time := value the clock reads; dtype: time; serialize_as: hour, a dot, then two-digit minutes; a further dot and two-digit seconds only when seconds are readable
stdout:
2.16
